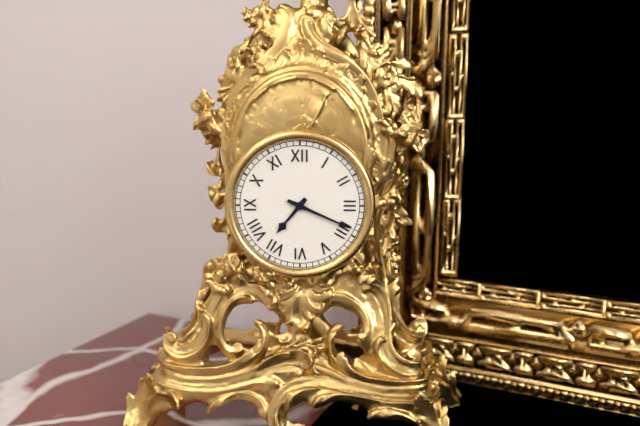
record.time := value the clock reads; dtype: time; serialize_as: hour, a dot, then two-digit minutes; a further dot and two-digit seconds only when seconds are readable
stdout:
7.19
